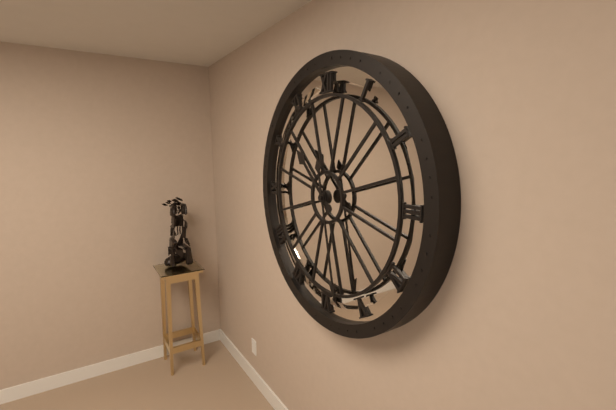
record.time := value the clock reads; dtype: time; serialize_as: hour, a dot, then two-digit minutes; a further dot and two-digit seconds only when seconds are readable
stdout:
10.28
